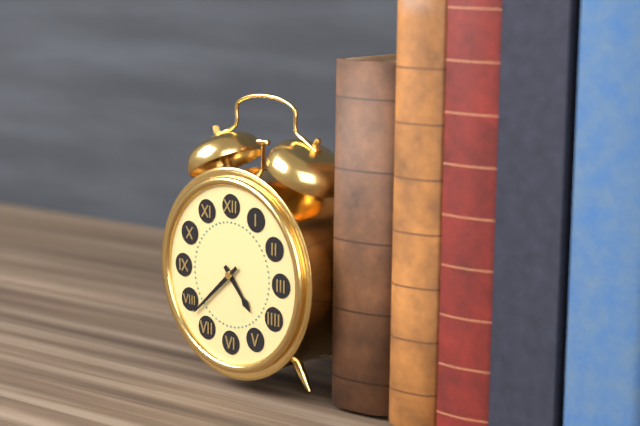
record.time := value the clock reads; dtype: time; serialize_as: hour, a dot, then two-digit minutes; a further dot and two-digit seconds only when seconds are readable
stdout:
4.38
